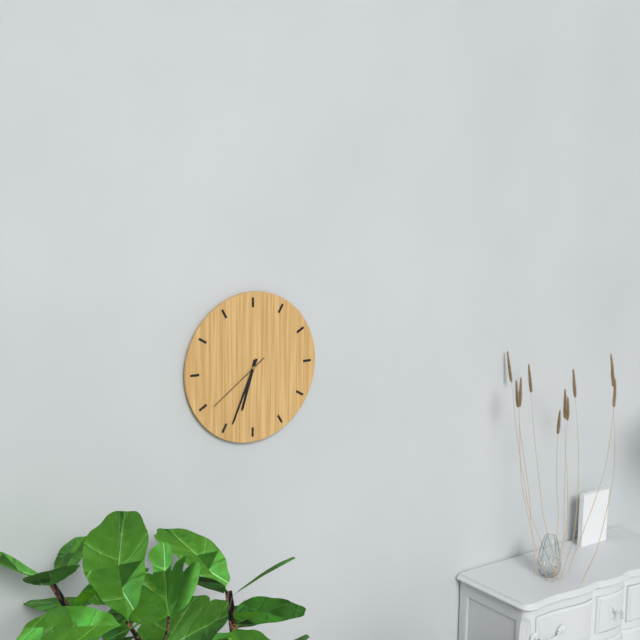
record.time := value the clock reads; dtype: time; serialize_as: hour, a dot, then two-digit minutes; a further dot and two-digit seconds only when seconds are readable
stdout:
6.34.39
